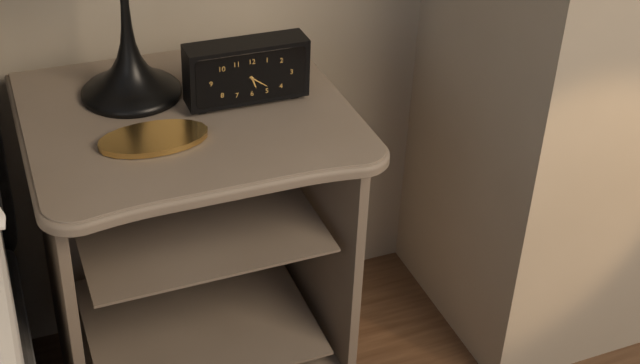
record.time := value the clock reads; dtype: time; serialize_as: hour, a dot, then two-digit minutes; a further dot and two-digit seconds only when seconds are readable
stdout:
5.21
